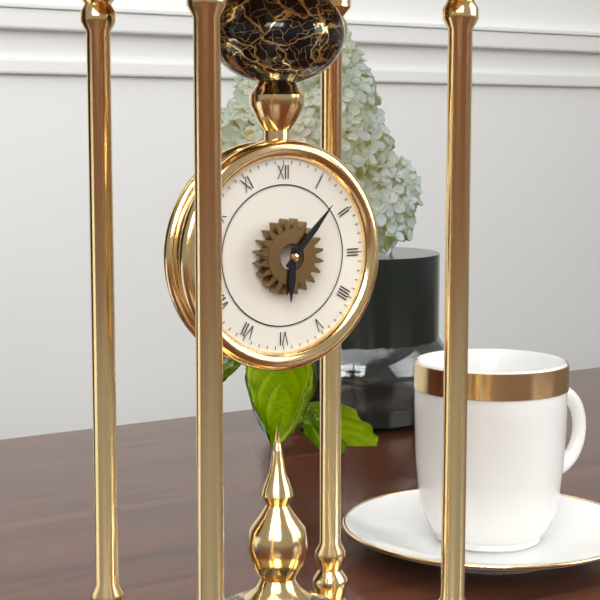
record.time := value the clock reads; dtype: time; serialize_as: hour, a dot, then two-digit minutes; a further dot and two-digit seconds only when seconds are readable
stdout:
6.07
